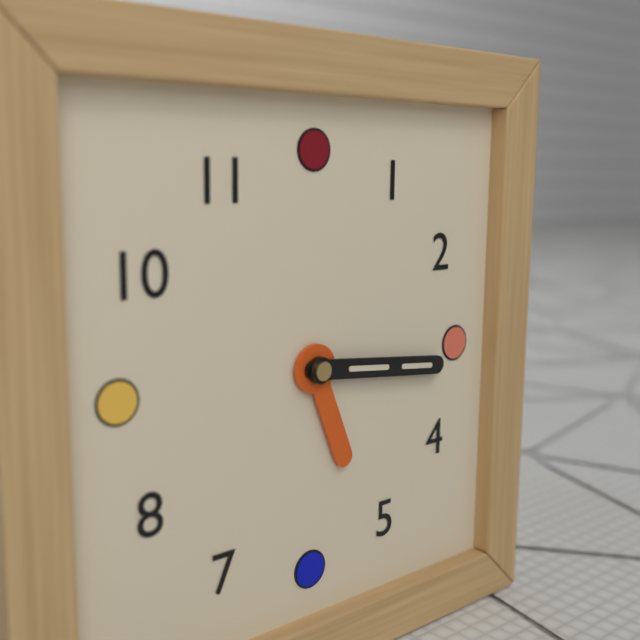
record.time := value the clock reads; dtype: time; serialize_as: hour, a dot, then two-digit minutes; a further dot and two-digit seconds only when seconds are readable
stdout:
5.16
